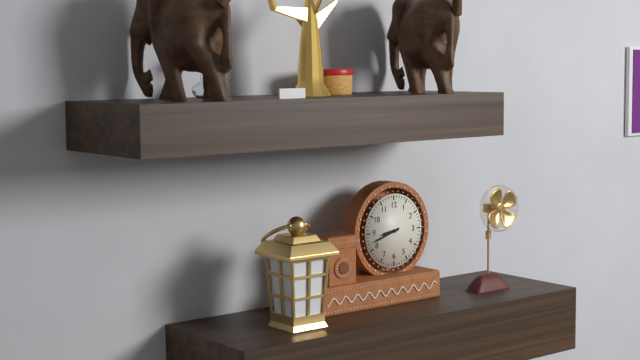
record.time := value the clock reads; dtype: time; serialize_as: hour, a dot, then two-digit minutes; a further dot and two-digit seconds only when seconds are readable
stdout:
8.42
